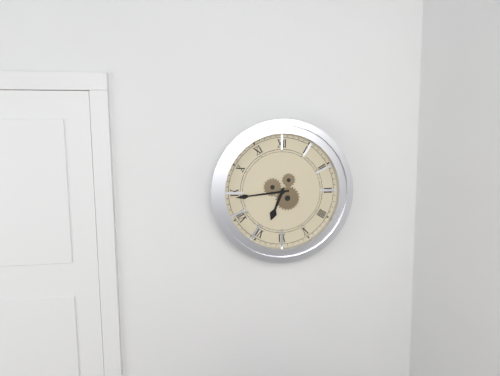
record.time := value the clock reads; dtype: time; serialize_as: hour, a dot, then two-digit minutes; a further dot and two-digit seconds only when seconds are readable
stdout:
6.44
